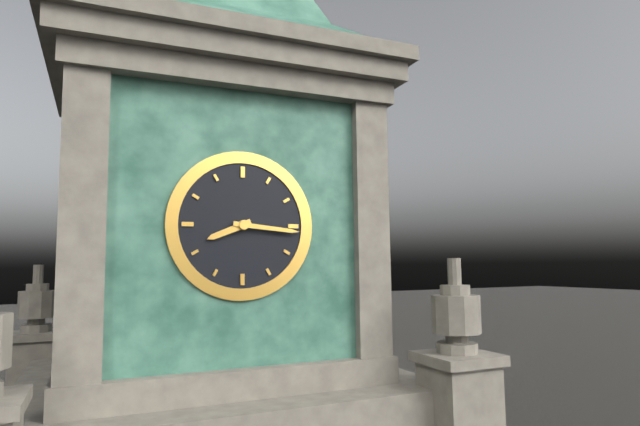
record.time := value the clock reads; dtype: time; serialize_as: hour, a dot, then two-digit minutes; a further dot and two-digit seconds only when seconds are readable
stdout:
8.16
